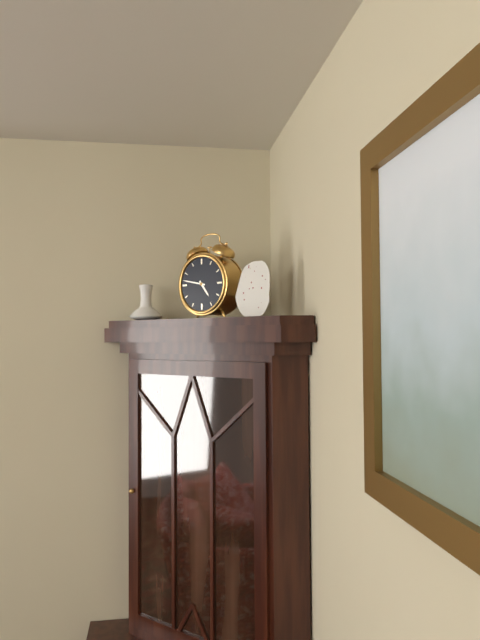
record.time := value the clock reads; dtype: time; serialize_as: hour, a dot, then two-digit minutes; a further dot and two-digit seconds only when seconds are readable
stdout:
4.47
